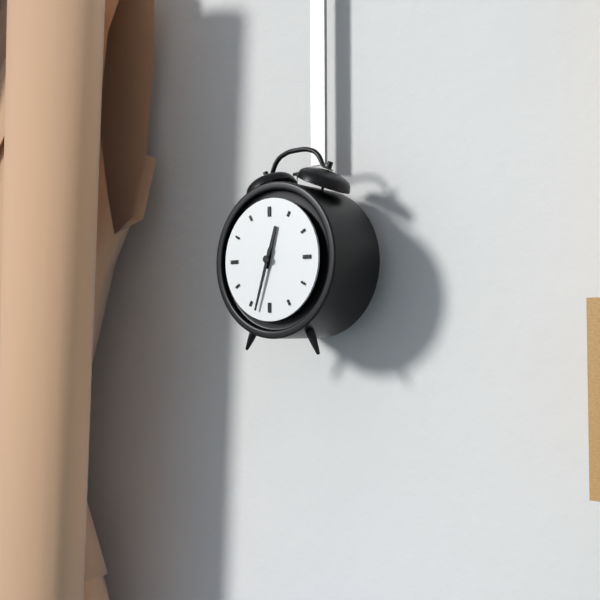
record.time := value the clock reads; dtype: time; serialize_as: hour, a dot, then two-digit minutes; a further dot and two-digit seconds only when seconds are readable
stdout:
12.33
